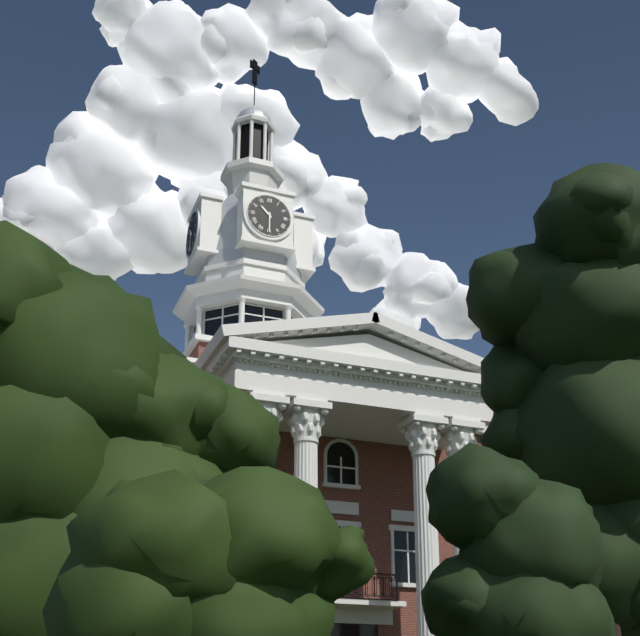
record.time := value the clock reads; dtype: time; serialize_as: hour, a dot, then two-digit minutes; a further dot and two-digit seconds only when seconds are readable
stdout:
10.30
